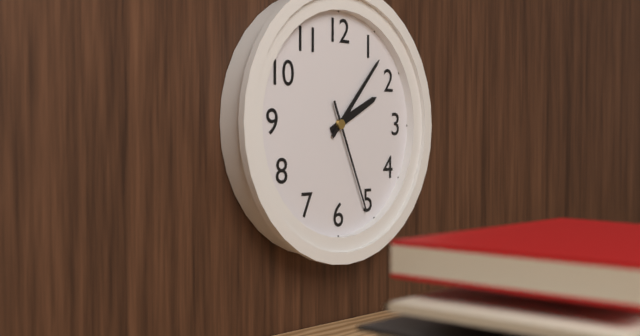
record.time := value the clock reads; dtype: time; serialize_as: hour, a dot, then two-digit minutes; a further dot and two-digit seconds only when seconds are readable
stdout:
2.07.26
